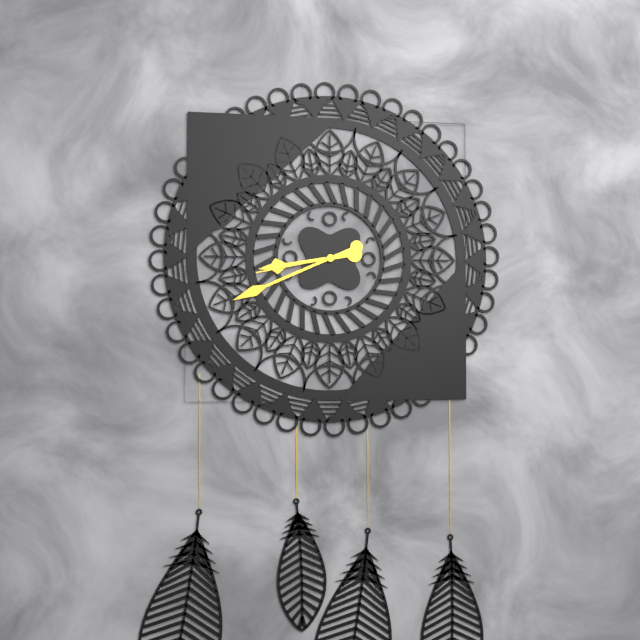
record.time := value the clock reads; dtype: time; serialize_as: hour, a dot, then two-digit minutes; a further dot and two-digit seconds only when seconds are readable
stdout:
8.41.43
